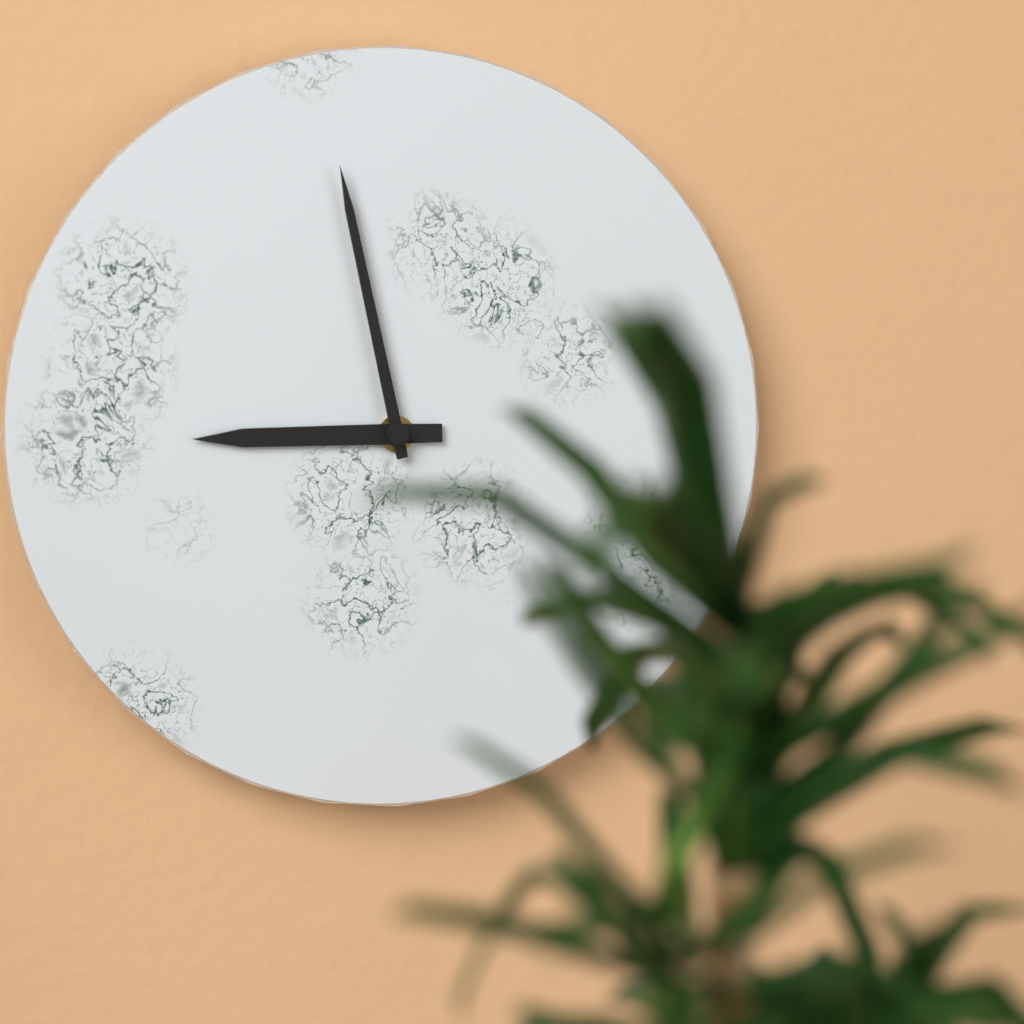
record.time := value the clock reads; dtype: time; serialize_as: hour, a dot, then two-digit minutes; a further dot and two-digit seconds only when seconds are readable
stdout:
8.58
